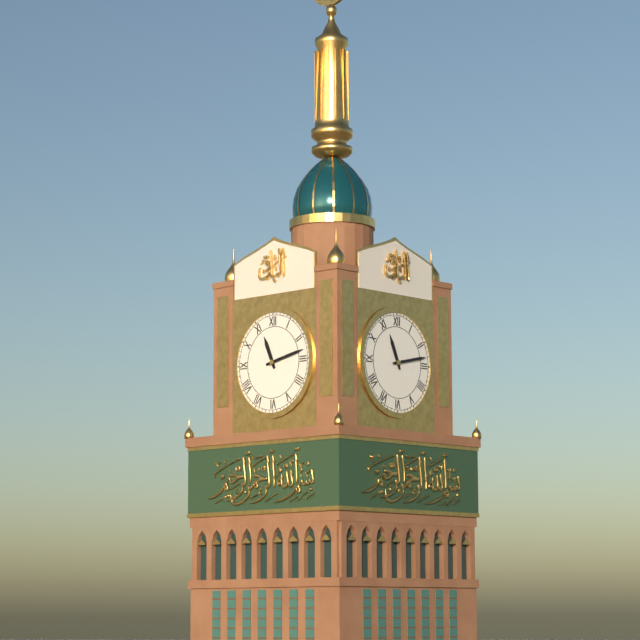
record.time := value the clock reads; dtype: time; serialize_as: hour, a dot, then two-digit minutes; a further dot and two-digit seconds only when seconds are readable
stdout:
11.13
